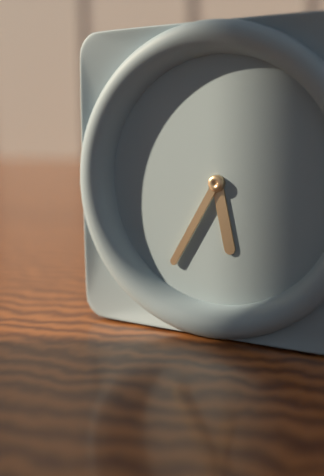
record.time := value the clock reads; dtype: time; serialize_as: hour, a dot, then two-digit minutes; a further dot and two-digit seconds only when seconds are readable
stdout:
5.35
